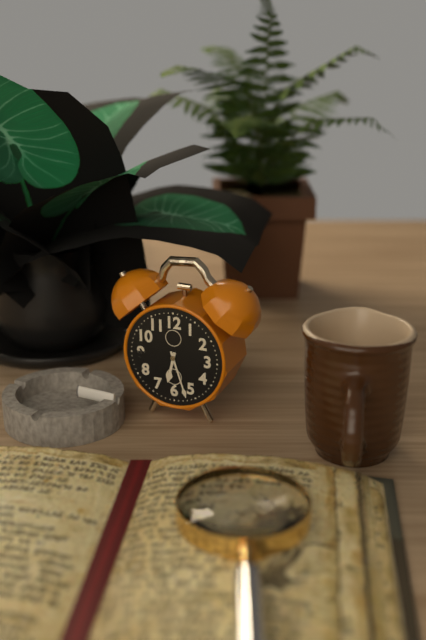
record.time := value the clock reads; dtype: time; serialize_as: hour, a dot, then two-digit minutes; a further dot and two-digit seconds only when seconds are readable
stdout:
6.27
